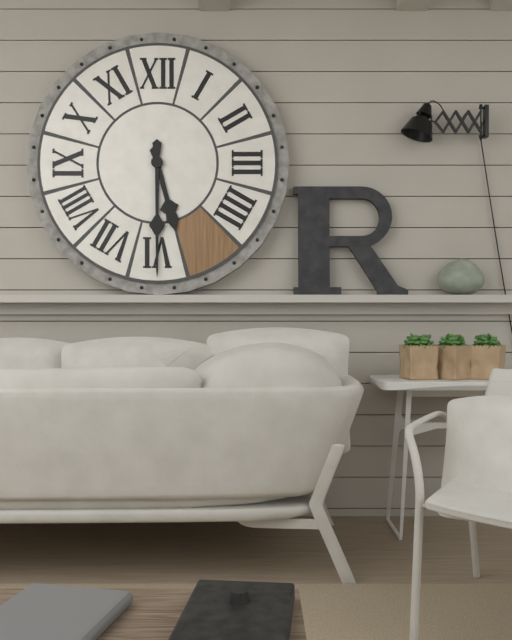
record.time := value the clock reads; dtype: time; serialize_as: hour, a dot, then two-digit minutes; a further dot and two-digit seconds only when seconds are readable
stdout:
5.30
